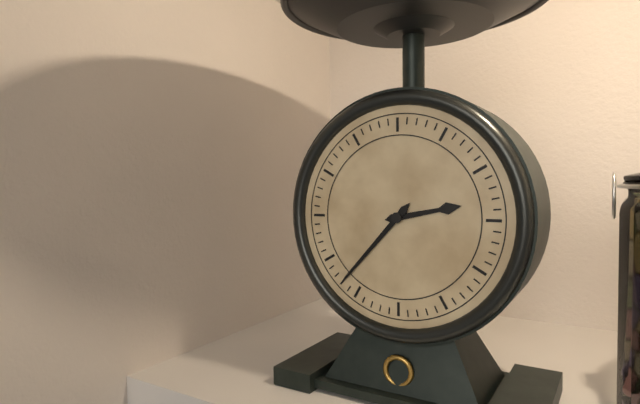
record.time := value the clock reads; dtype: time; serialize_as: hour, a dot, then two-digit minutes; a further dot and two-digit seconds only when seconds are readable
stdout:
2.37
